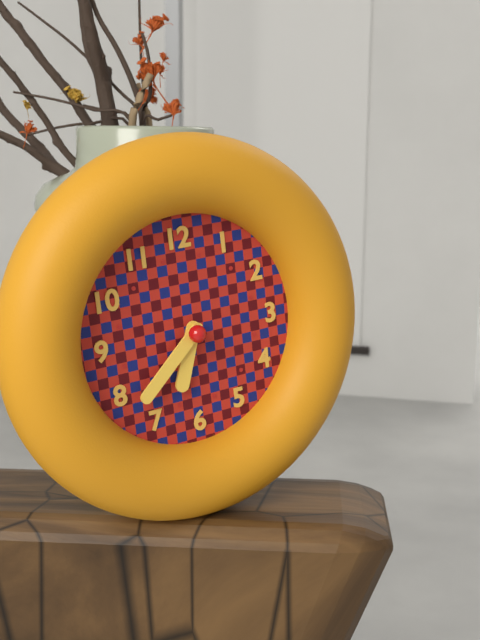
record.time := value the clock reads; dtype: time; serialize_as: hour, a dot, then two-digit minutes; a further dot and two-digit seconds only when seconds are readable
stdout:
6.38
